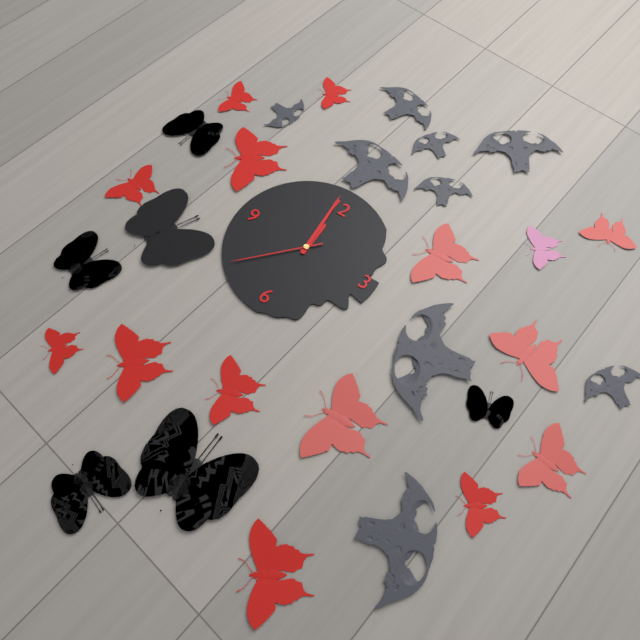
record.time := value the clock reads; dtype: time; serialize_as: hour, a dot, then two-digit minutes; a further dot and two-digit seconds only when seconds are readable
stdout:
11.59.37
